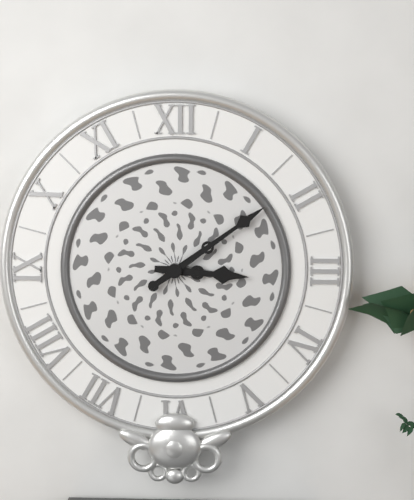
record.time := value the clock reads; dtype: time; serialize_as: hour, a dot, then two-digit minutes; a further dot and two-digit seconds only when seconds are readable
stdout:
3.09
